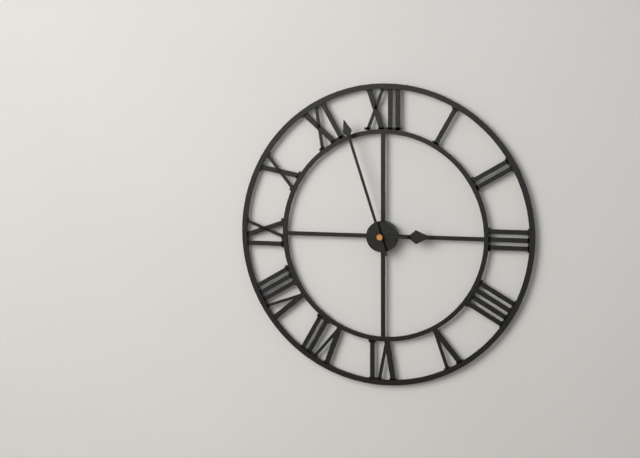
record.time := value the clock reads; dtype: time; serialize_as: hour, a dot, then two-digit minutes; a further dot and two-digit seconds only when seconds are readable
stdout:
2.57
